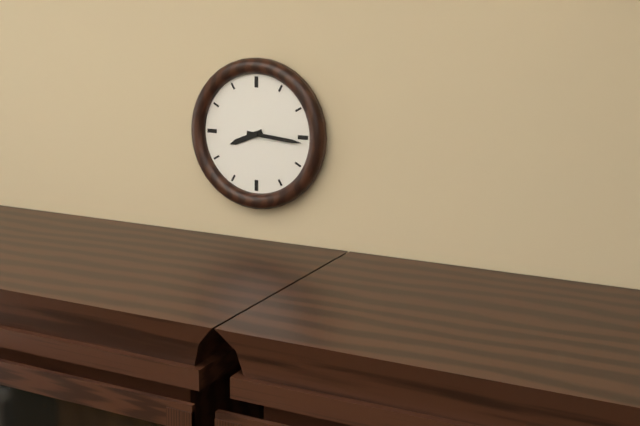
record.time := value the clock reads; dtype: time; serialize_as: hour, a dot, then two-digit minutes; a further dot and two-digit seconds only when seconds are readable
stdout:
8.16
